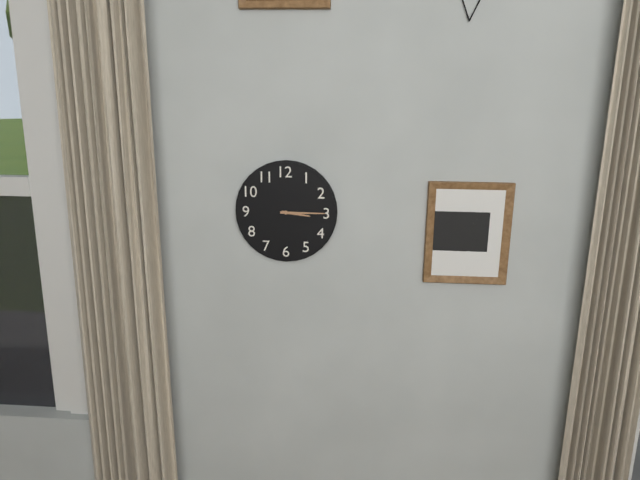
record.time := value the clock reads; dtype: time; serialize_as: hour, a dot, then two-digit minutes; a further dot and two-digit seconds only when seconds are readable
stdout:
3.15
